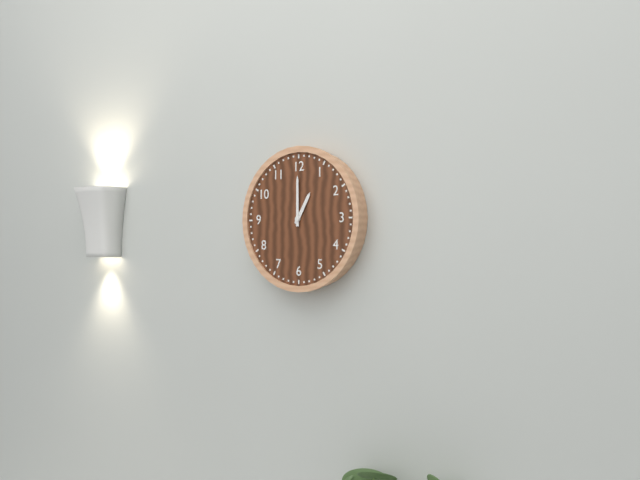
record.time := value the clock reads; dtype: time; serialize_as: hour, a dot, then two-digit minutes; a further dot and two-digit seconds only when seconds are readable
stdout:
1.00
